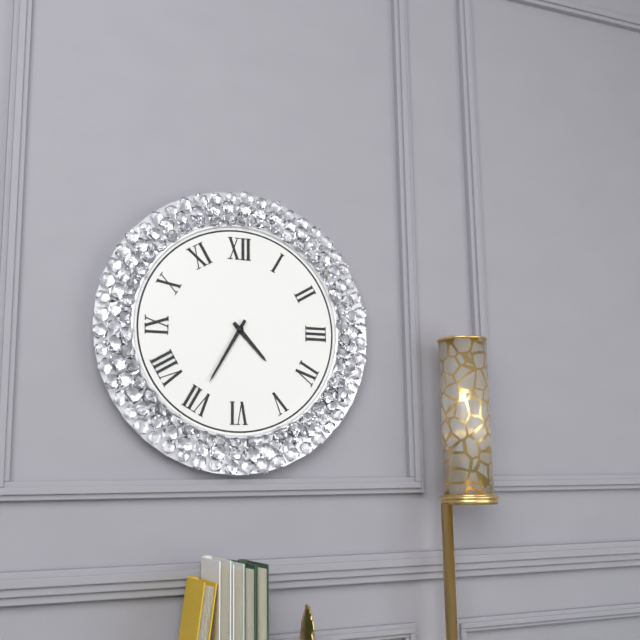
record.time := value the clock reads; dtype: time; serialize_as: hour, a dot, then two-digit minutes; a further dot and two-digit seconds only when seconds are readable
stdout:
4.35
